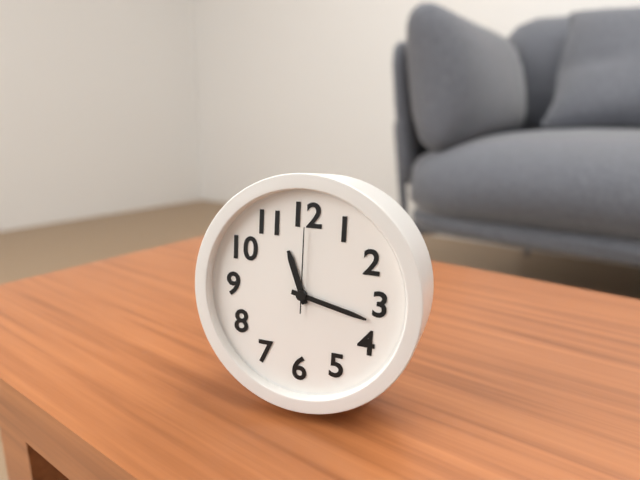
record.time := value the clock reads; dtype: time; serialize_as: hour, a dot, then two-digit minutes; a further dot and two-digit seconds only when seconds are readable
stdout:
11.17.00
